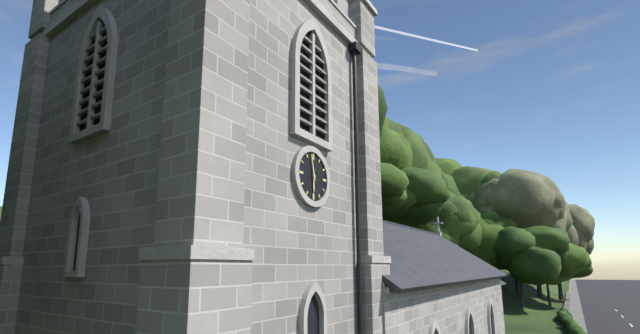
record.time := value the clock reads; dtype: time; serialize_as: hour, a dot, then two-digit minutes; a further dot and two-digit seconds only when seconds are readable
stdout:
5.58
